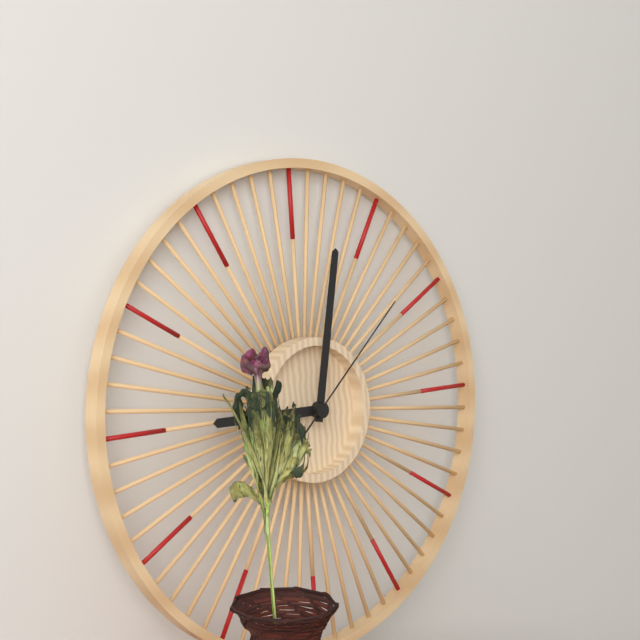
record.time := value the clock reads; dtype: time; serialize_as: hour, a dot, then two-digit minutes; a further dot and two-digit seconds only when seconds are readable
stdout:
9.02.08
